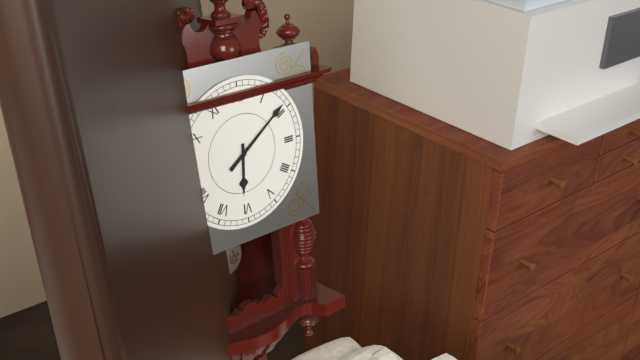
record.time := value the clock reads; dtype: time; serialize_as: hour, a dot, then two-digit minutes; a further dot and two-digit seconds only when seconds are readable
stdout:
6.09
